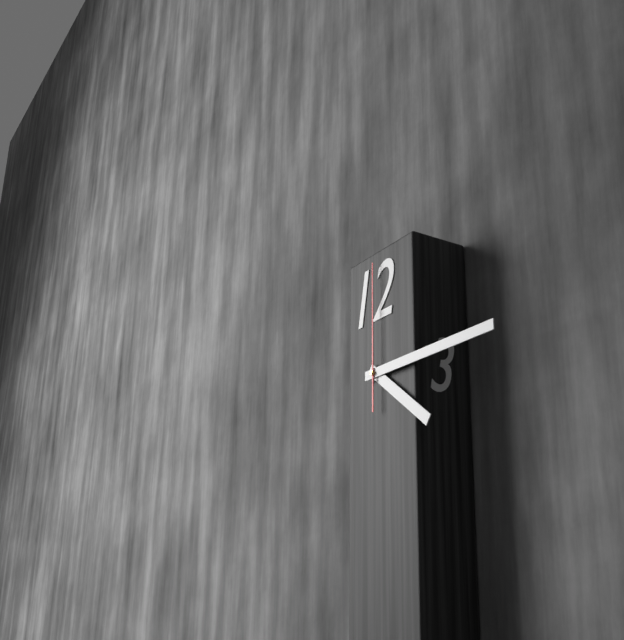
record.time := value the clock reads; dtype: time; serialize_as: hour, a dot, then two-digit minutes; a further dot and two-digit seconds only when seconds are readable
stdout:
4.15.00
